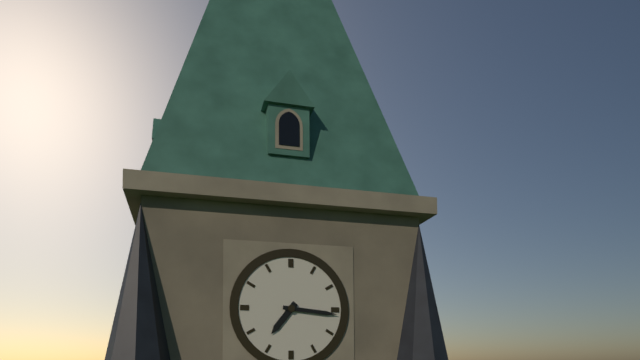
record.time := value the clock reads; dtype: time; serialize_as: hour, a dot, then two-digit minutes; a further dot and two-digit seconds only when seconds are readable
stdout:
7.16
